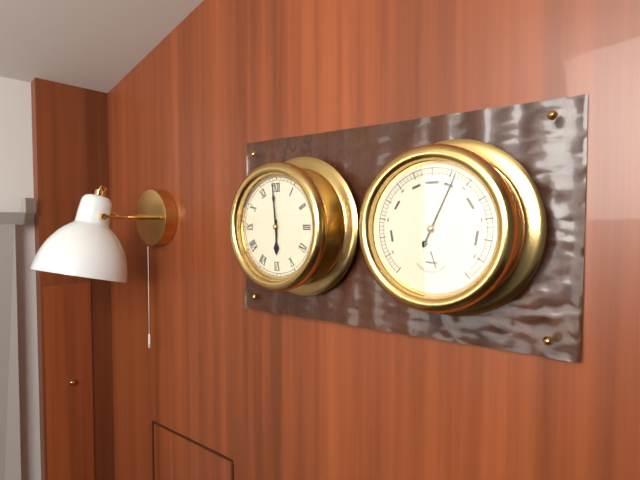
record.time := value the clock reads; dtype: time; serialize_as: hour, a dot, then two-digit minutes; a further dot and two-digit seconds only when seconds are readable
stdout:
5.59
